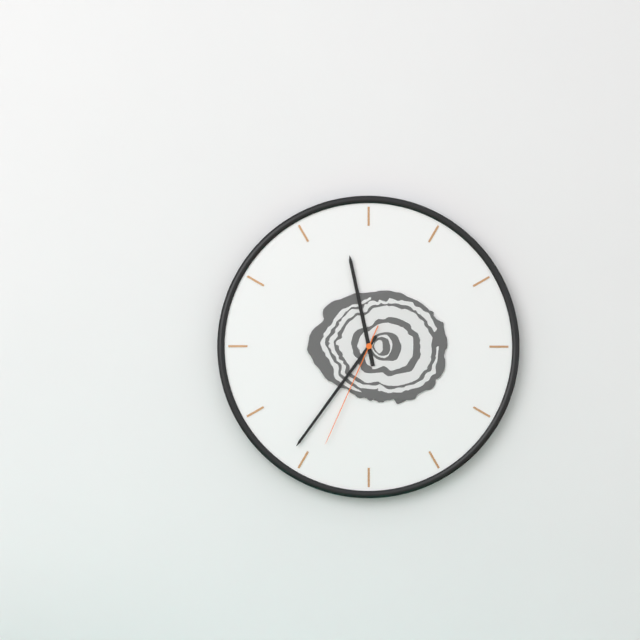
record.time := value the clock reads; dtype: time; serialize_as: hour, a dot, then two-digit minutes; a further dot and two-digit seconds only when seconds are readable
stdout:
11.36.34
